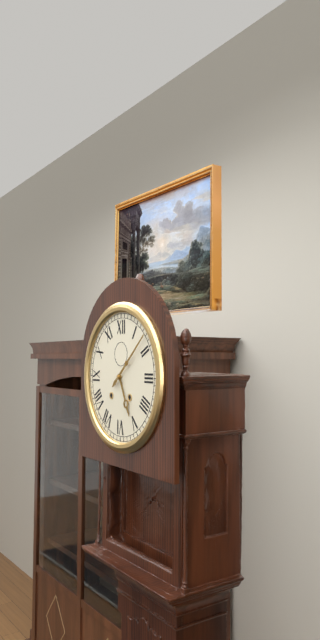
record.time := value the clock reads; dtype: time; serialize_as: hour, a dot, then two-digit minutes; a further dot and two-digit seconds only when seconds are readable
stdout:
5.08
